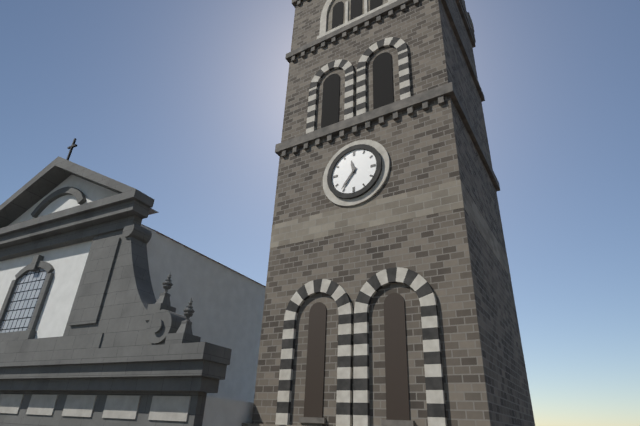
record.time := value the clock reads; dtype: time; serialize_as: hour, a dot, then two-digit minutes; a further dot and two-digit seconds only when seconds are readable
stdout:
11.36
